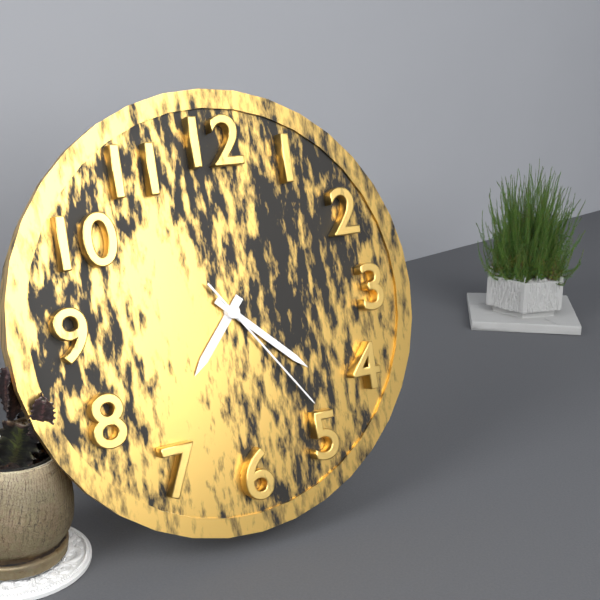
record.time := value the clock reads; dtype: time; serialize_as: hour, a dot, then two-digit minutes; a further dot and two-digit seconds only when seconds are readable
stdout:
7.22.24
